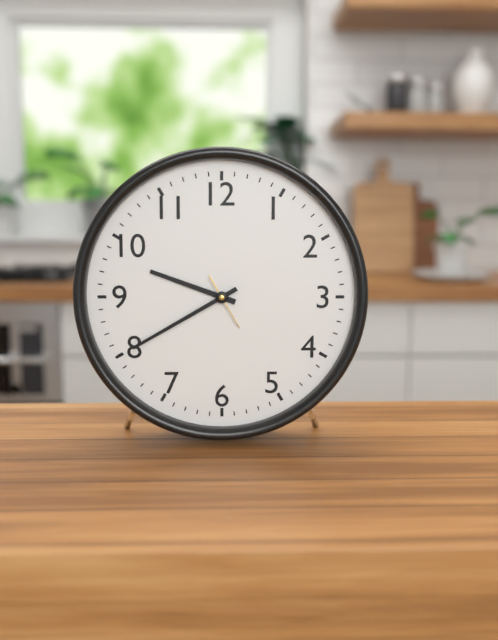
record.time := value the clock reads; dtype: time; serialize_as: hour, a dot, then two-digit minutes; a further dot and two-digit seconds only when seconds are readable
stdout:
9.40
